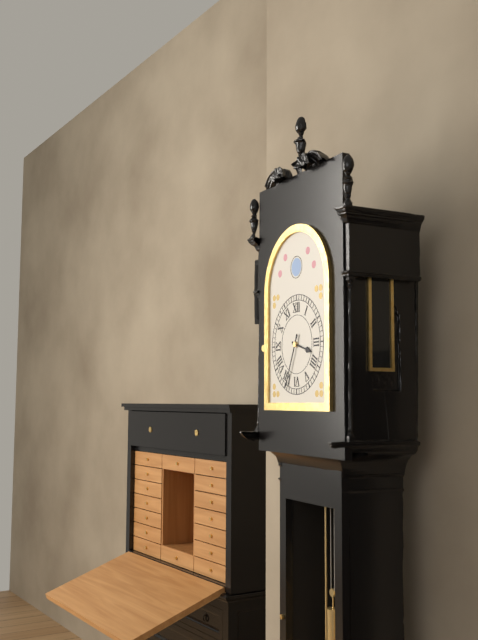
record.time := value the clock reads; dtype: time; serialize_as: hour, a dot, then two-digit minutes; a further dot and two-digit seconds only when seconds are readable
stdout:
3.34
